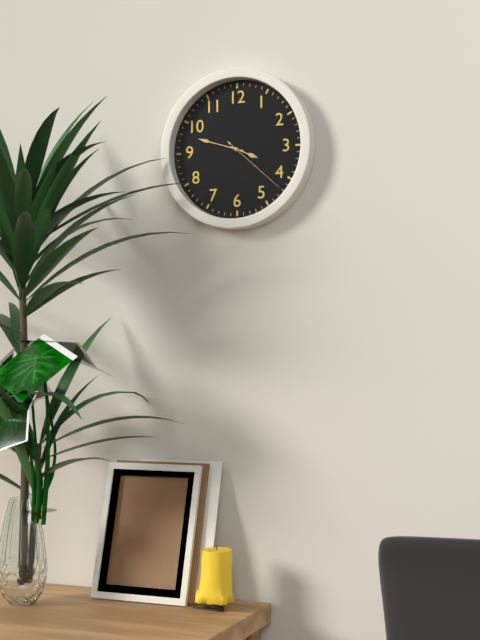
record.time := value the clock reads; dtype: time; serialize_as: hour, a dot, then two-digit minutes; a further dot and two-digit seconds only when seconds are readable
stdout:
3.48.22
